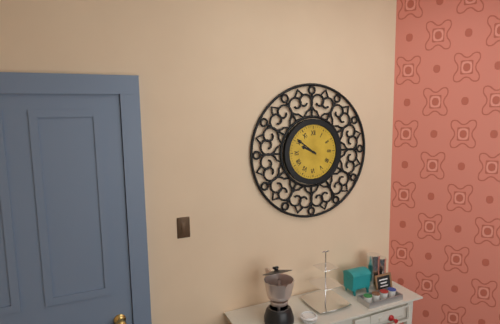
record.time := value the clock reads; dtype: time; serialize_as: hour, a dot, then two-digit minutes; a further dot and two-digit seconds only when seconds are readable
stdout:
9.51
